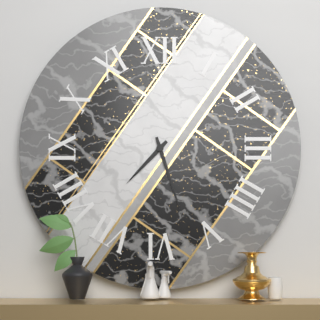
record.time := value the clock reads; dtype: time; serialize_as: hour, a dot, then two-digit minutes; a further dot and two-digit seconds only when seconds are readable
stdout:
7.27
